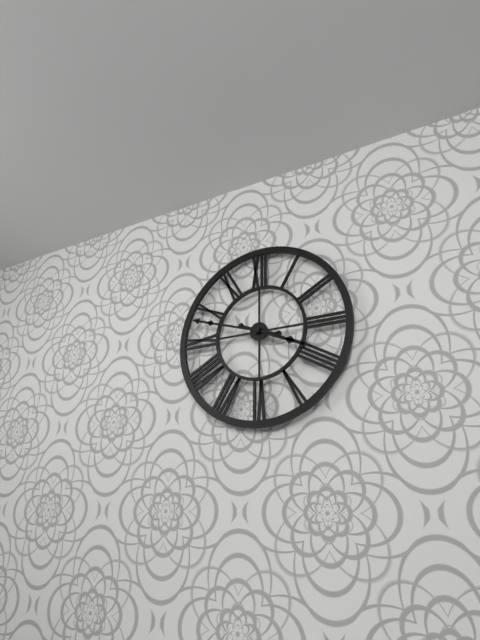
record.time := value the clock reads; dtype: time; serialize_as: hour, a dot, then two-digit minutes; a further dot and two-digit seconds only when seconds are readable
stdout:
3.48
